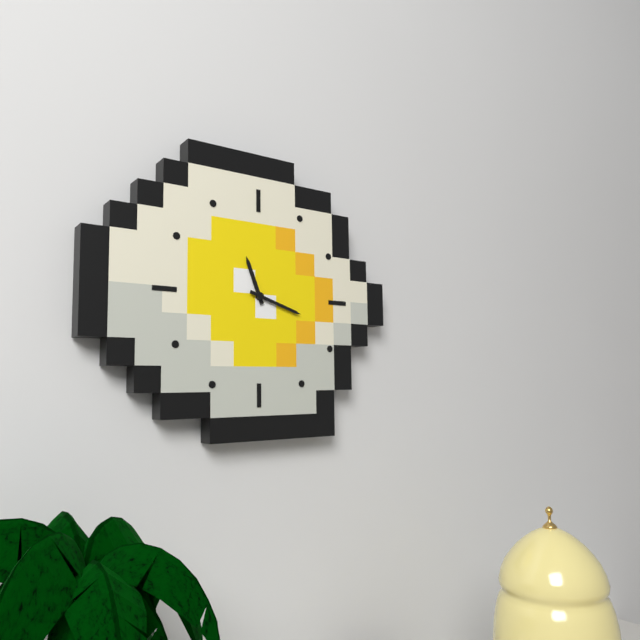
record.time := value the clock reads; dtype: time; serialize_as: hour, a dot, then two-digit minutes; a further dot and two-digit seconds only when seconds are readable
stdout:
11.18
